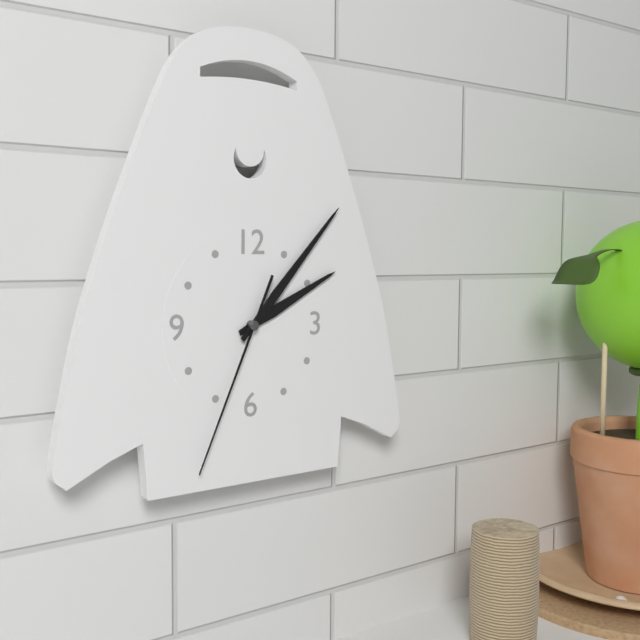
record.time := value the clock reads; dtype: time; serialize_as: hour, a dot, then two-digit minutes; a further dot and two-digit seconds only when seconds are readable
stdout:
2.07.34
